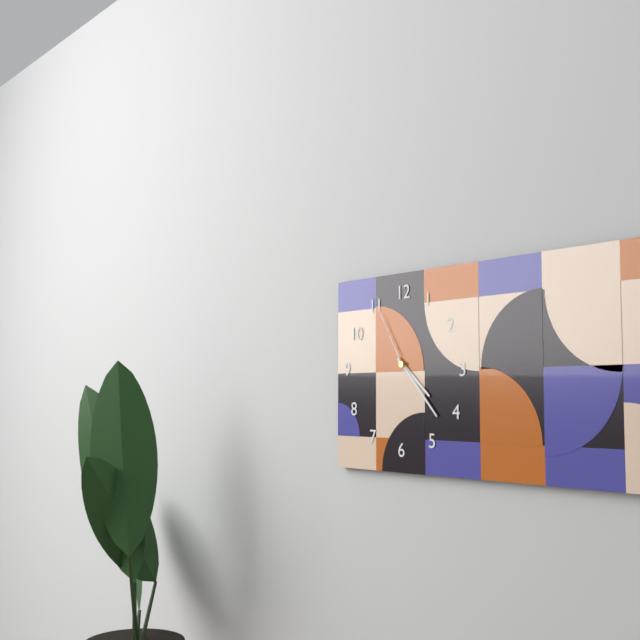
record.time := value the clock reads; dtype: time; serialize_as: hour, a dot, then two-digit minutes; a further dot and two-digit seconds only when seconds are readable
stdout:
4.23.55
